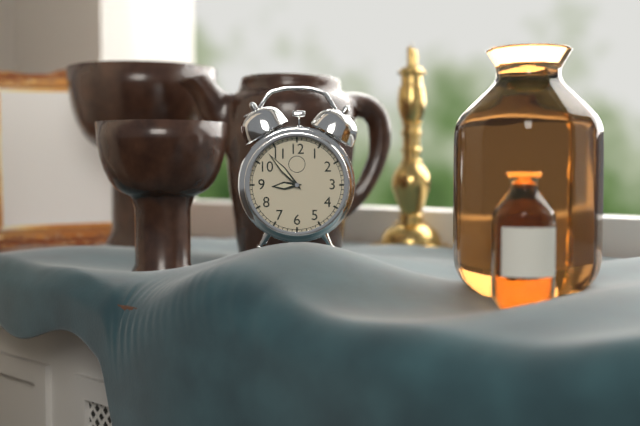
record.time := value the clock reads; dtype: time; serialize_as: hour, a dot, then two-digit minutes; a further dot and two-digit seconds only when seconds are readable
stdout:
8.53
